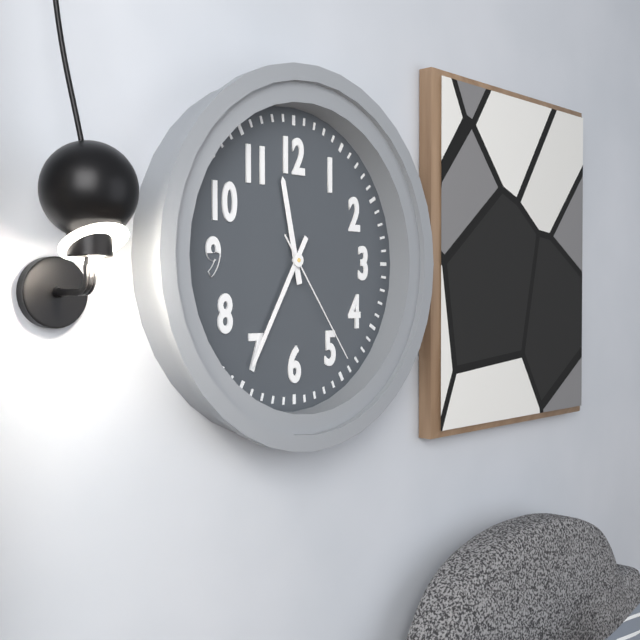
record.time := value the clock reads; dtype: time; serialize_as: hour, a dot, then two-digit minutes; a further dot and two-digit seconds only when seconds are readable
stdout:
11.35.24
